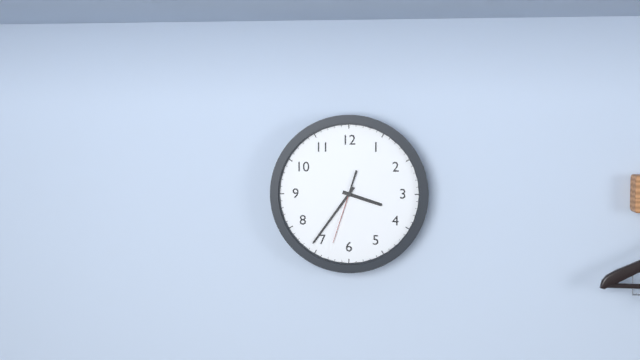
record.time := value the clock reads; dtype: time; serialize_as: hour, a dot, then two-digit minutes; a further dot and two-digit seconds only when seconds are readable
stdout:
3.36.33
